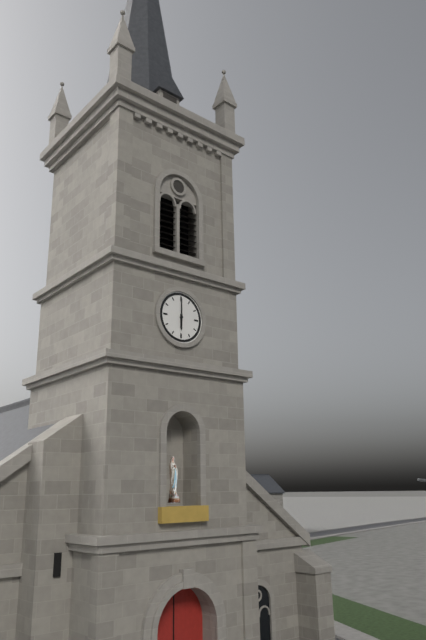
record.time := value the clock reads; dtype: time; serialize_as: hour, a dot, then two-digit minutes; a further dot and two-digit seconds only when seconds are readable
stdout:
6.00
